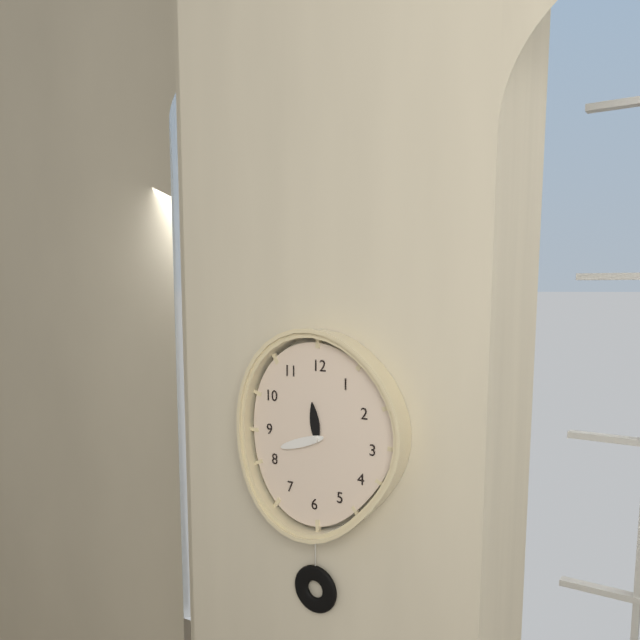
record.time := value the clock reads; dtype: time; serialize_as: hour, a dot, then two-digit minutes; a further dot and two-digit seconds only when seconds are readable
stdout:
11.42
